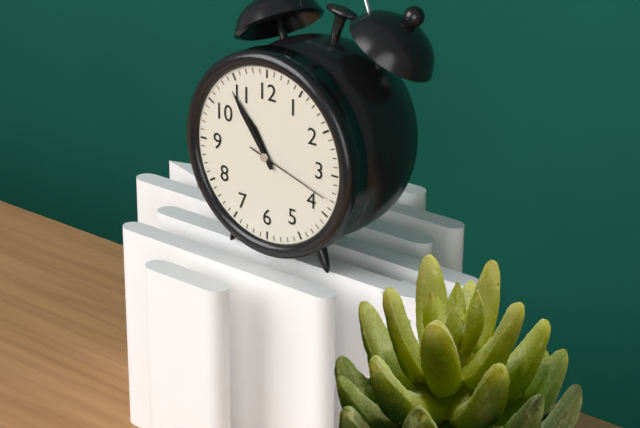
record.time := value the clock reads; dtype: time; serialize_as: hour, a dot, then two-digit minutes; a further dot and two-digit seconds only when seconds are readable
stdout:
10.54.18
